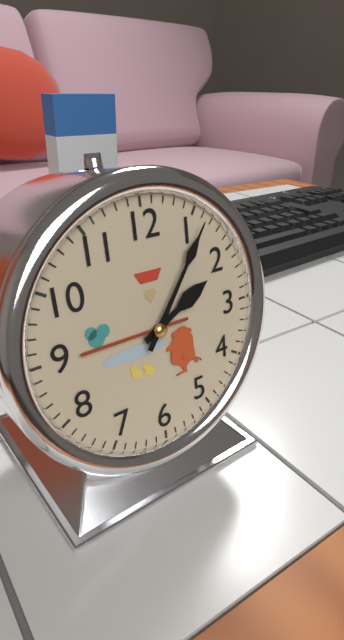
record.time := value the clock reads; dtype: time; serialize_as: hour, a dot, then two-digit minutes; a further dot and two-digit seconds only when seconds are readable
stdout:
2.06
